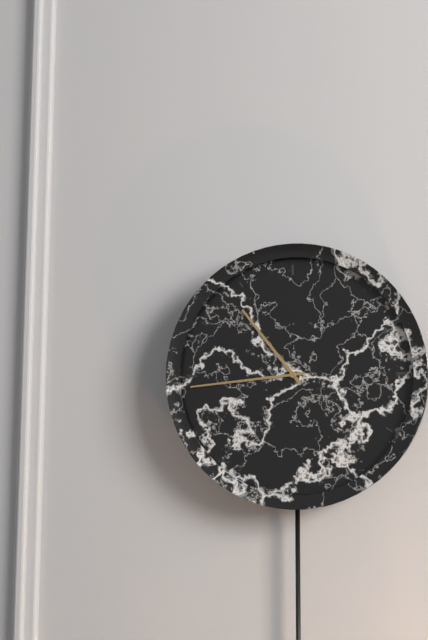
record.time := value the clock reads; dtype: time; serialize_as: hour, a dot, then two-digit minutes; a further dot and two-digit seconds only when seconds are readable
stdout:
10.44
